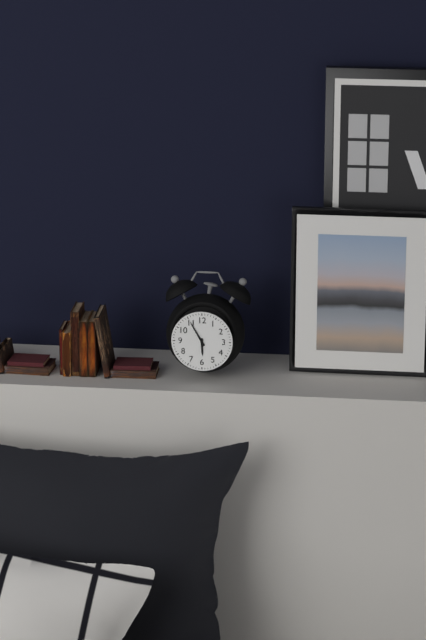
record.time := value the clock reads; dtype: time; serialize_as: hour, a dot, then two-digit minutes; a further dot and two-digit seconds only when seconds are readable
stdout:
5.55
